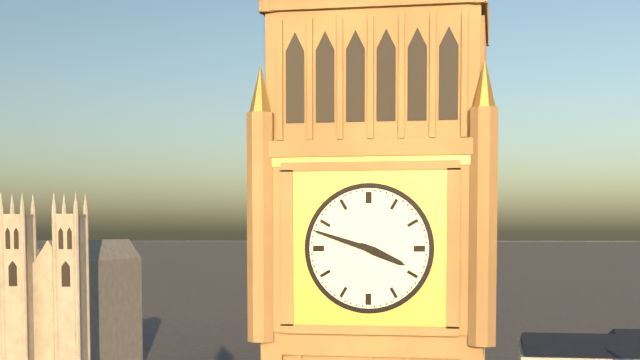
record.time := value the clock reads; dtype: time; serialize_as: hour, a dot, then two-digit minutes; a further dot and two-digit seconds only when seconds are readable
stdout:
3.48
